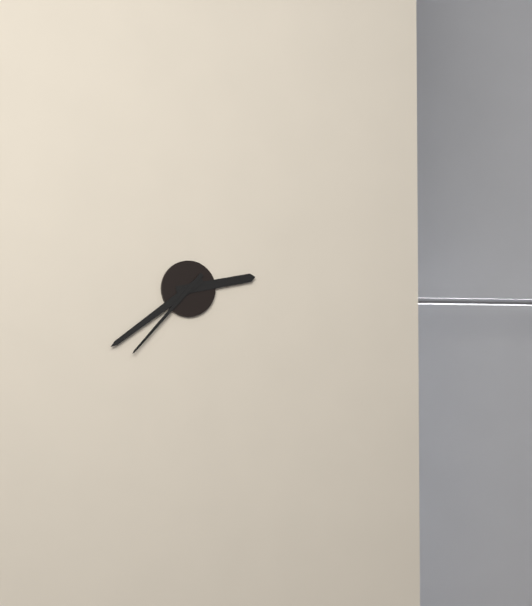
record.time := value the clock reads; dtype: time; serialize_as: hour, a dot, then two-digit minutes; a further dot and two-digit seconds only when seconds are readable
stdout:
2.39.37
